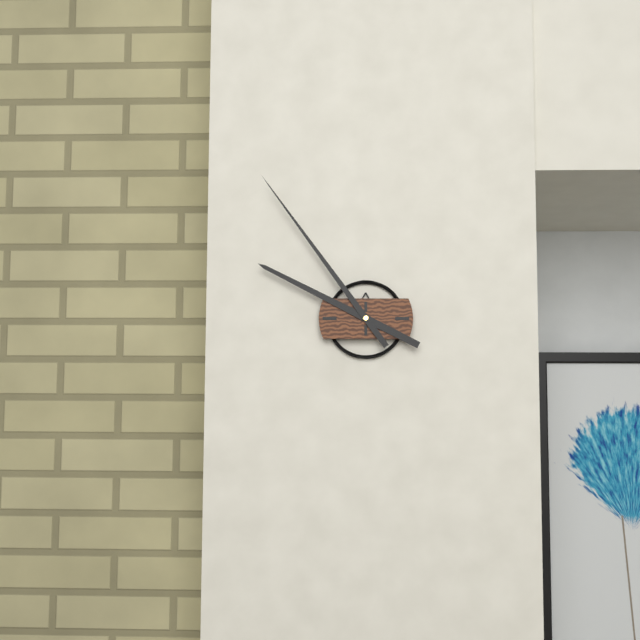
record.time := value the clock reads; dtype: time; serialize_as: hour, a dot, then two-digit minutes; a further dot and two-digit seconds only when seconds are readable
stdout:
9.54
